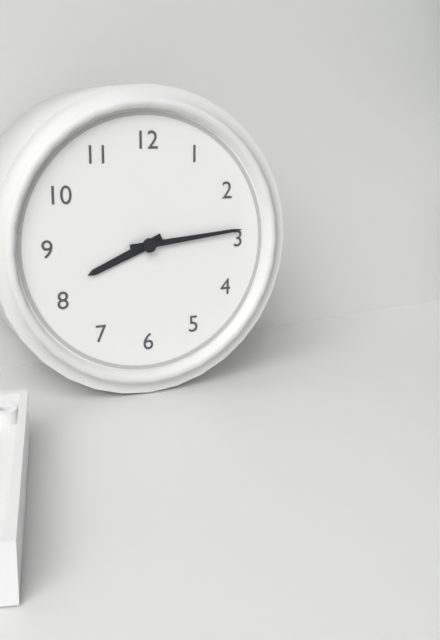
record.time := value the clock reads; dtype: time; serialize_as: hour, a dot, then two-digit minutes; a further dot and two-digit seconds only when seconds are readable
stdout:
8.14
